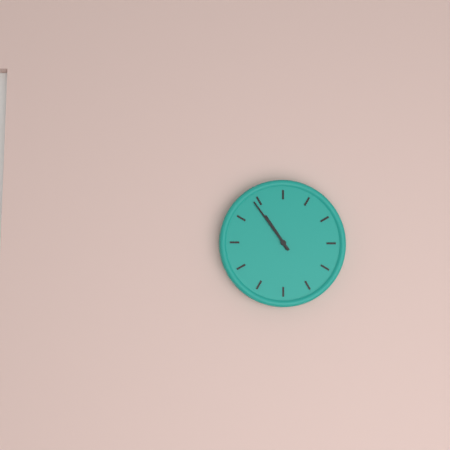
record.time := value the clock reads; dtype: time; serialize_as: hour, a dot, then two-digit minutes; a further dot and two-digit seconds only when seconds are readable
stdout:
10.54
